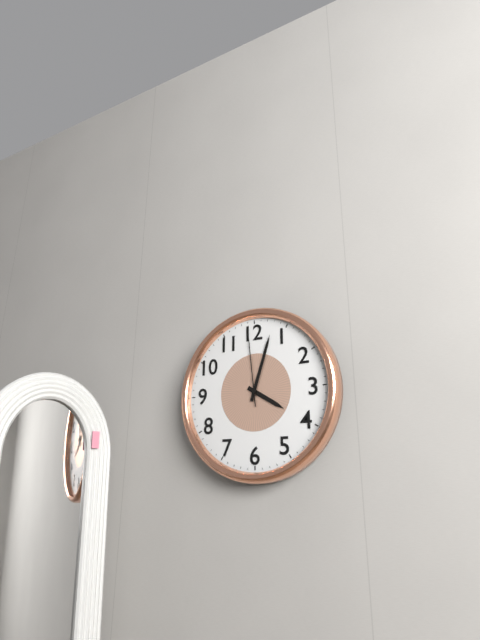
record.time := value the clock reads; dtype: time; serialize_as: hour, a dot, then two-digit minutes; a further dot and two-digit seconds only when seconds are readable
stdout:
4.03.59
